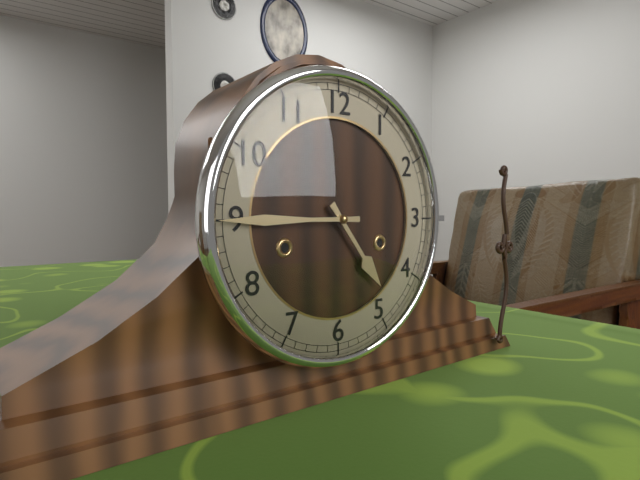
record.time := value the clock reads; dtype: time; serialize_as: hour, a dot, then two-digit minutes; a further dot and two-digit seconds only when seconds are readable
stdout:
4.45
